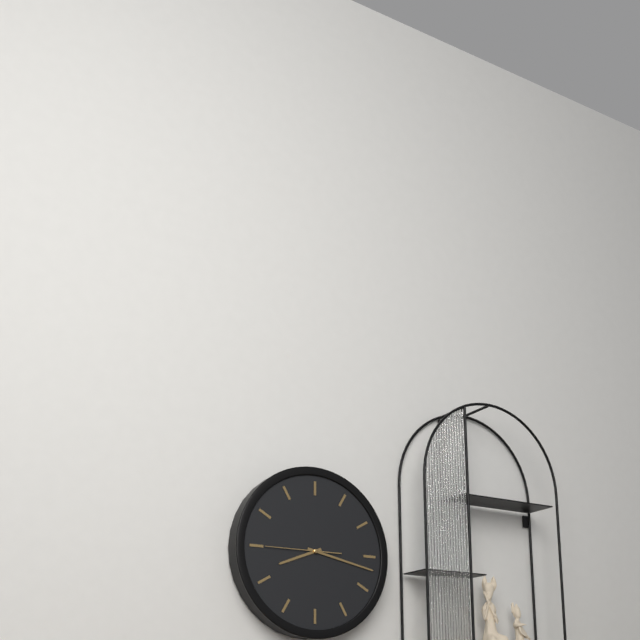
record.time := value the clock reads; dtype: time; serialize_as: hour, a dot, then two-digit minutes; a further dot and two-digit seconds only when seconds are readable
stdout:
8.17.45
